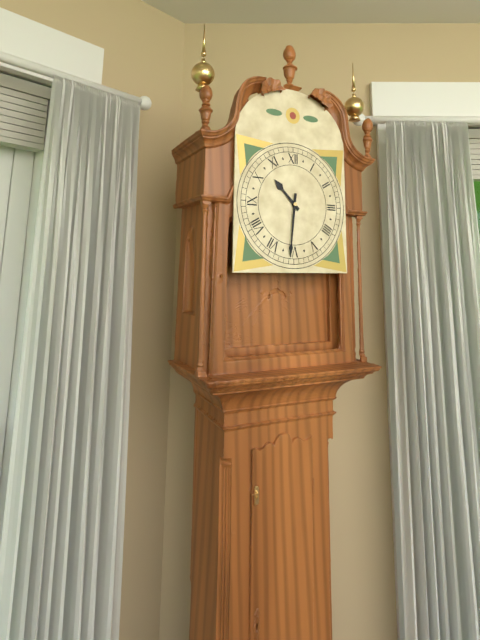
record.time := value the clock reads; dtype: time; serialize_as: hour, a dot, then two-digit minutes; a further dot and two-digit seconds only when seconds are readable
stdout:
10.31
